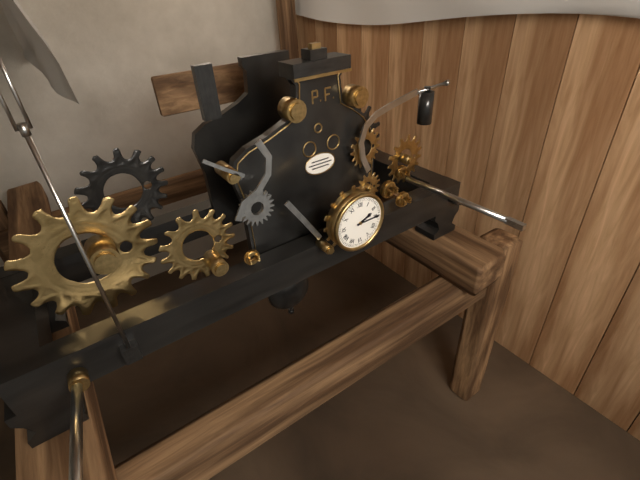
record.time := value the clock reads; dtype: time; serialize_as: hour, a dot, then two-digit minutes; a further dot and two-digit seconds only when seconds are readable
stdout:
2.15
